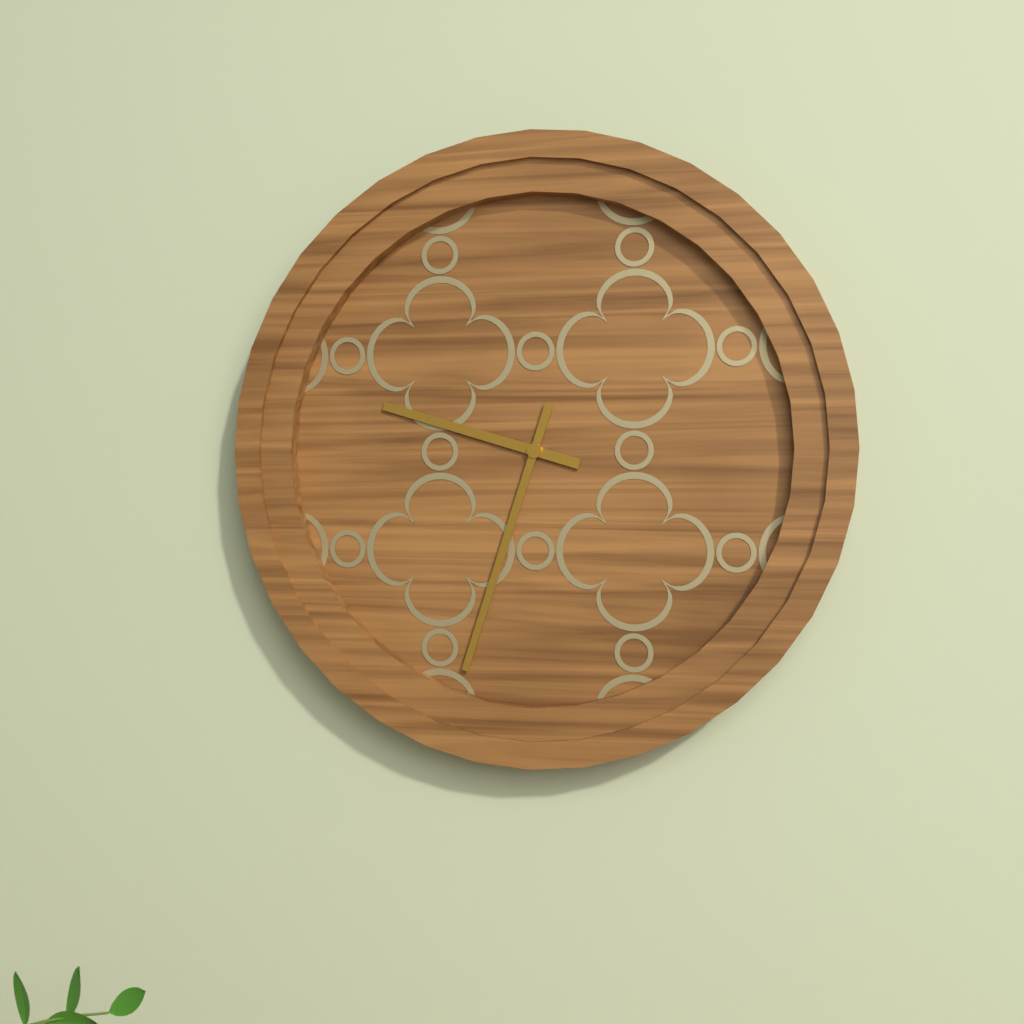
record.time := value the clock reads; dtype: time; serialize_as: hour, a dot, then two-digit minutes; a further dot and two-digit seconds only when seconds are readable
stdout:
9.33
